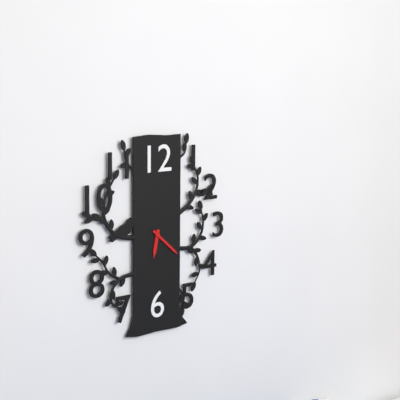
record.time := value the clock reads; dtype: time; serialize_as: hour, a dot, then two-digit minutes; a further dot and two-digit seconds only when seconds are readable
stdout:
6.22
